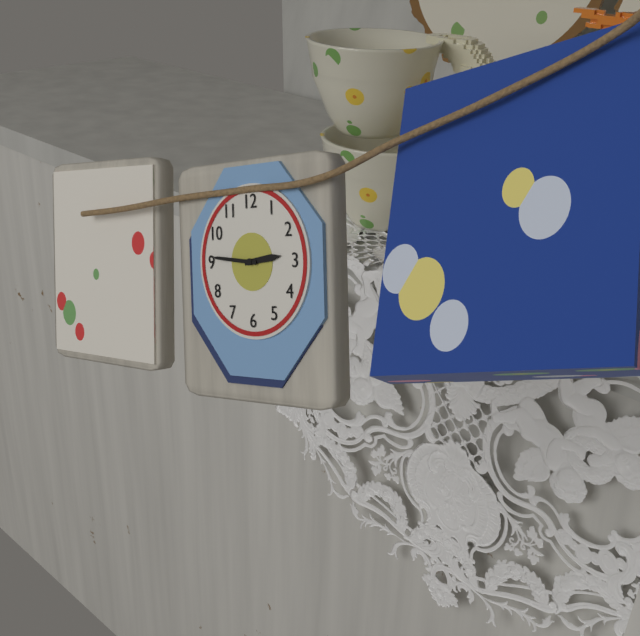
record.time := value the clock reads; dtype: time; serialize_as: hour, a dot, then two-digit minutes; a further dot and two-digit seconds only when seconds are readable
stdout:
2.46
